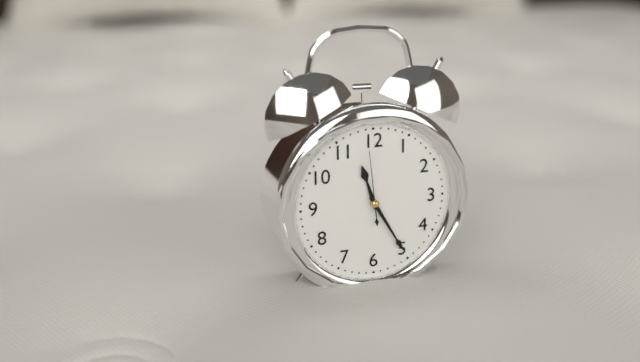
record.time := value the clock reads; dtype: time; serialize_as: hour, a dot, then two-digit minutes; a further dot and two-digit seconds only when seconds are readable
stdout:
11.25.59
